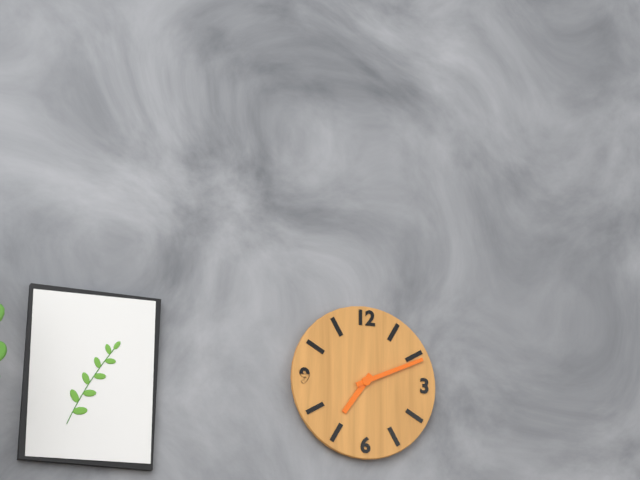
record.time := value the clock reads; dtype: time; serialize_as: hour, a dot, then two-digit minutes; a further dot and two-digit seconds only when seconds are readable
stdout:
7.11
